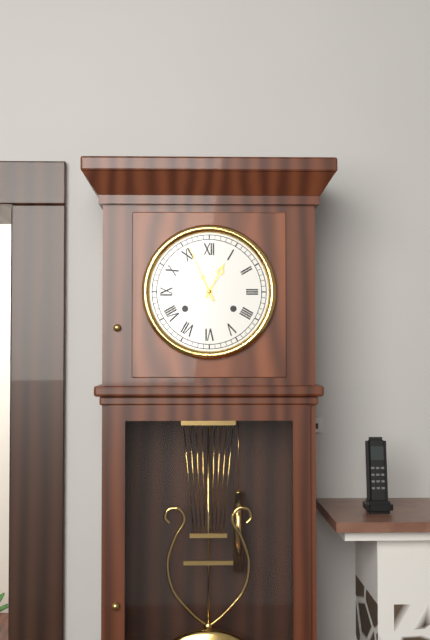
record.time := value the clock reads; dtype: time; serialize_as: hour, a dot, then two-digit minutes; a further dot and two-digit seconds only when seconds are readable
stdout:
12.56
